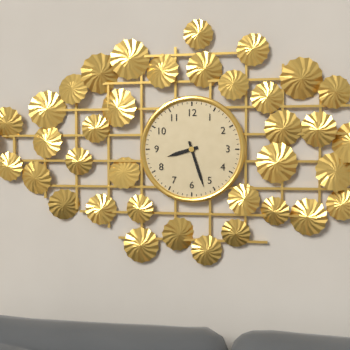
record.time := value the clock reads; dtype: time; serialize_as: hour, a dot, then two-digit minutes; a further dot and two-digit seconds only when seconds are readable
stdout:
8.27
